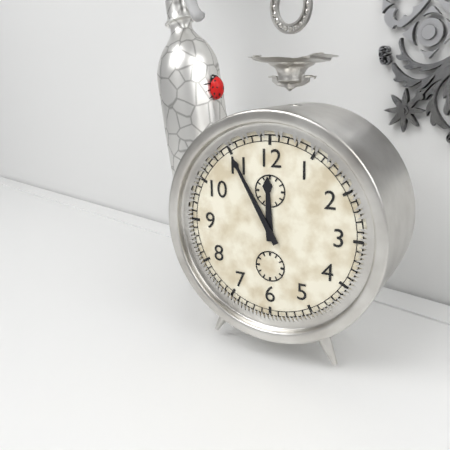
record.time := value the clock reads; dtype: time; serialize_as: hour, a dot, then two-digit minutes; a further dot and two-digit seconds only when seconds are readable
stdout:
11.55
